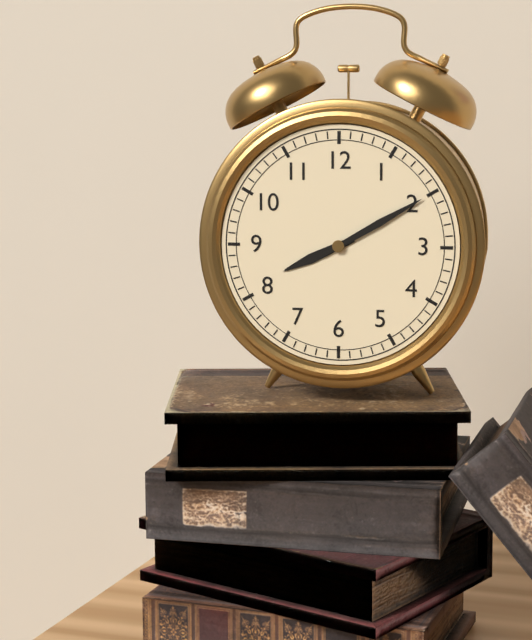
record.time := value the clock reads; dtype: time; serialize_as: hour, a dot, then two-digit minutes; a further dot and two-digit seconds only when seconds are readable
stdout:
8.10
